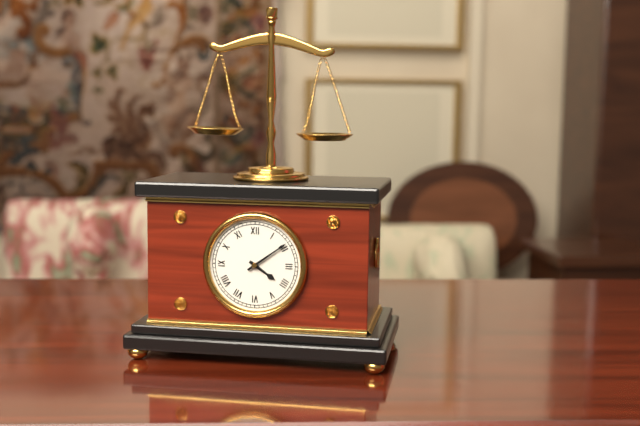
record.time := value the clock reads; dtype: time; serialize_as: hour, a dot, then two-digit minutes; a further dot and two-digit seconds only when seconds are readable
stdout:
4.09
